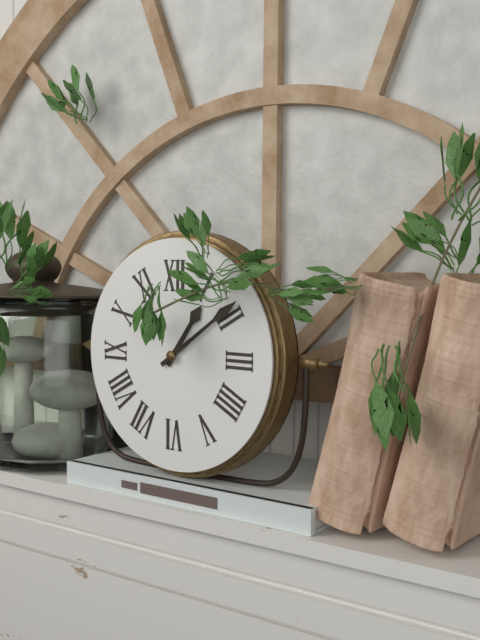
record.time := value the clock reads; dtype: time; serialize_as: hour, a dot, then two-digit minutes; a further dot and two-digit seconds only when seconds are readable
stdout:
1.09
